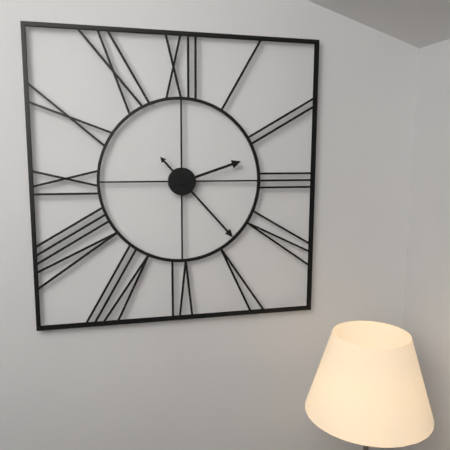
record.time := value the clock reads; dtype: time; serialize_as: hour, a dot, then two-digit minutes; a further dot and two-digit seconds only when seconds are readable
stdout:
2.23
